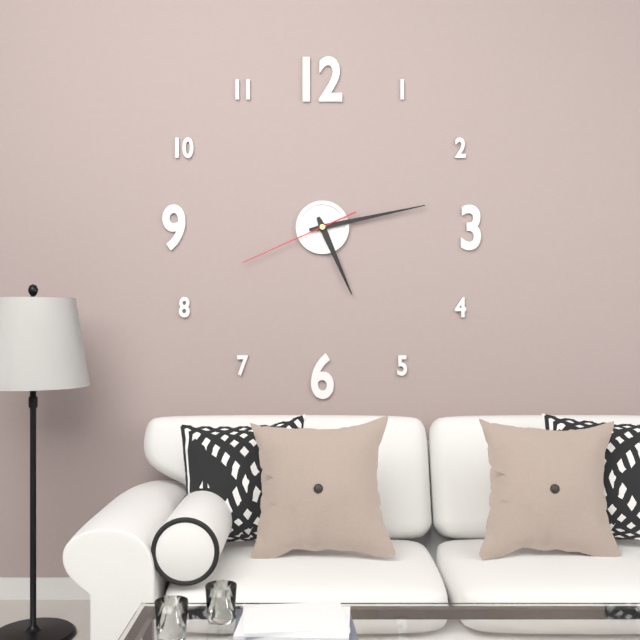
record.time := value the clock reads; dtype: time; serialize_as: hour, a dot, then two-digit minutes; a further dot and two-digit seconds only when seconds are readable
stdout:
5.13.41
